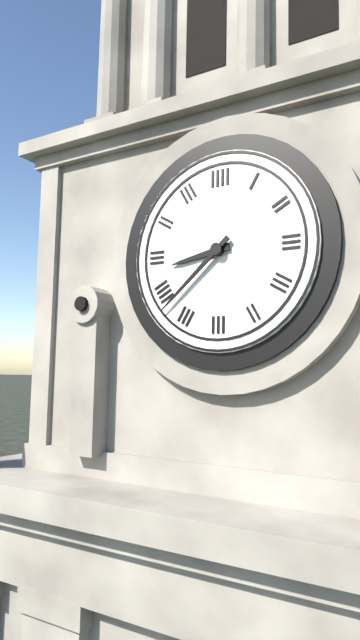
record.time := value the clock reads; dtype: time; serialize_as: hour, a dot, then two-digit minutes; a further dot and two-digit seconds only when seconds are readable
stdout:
8.38
